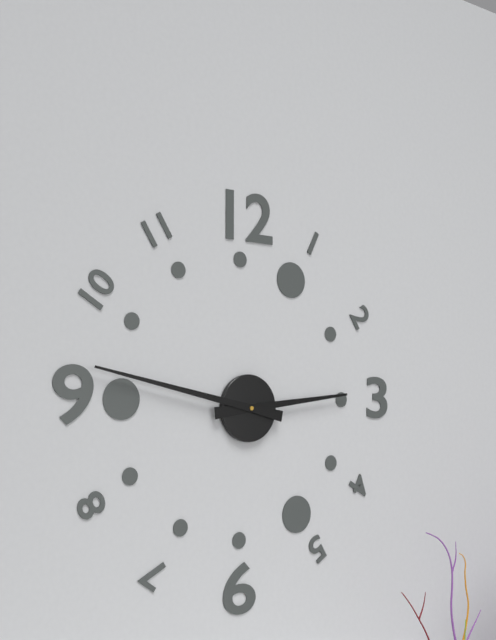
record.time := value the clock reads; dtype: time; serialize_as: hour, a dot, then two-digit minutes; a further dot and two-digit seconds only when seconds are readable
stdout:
2.47
